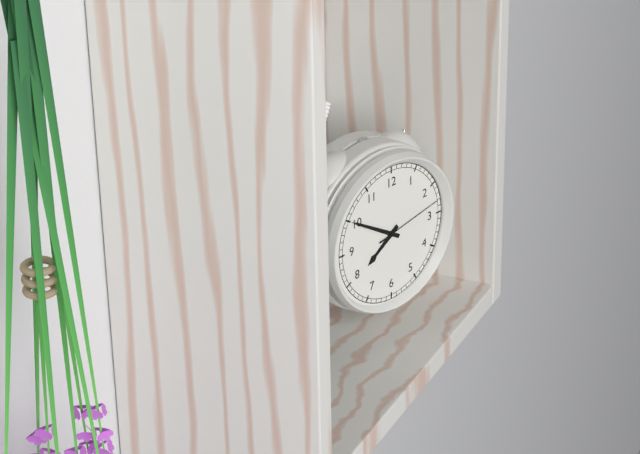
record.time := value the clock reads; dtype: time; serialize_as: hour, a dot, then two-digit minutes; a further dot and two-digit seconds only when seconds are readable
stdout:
7.50.13
